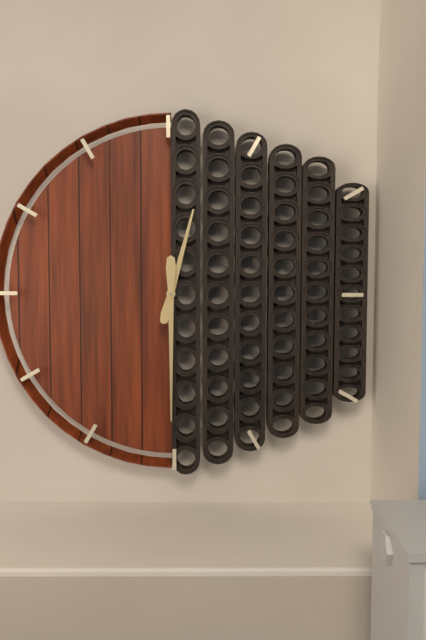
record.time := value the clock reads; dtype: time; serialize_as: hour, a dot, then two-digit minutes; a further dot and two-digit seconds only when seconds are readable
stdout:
12.30
